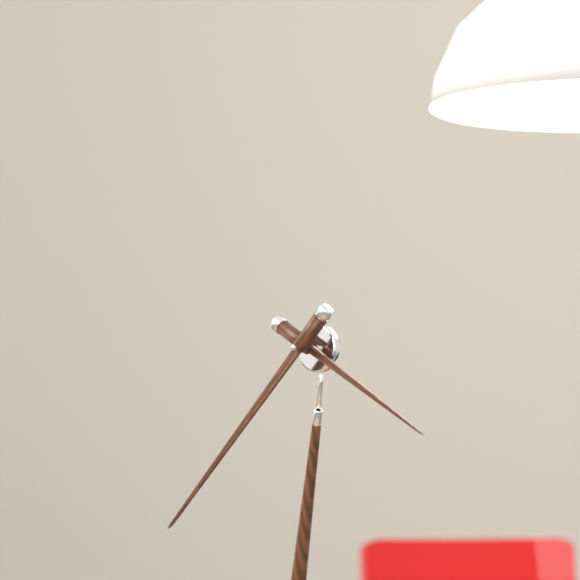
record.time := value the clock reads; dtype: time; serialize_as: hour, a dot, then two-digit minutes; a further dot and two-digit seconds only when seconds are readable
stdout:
3.35
